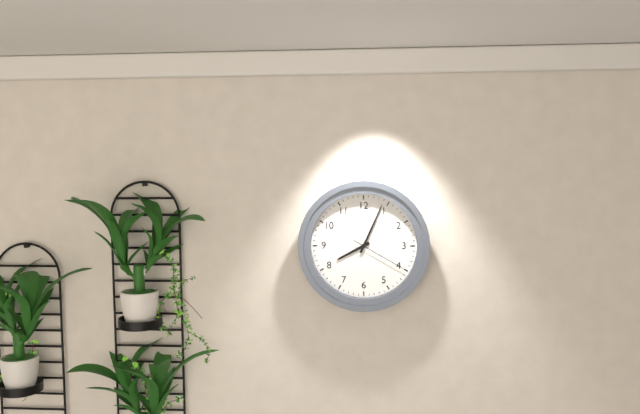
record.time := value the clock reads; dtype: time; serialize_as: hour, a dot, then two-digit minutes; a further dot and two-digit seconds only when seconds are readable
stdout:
8.04.20
